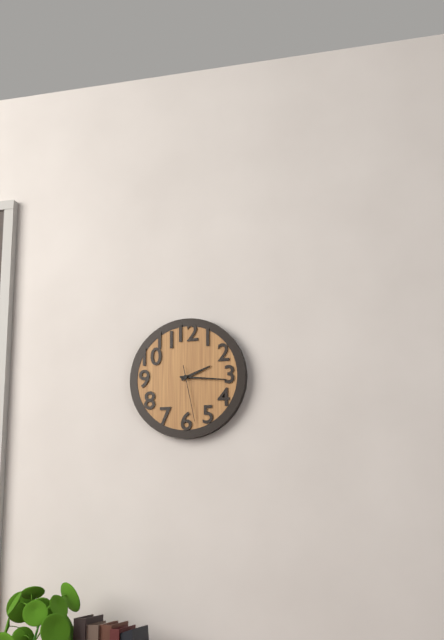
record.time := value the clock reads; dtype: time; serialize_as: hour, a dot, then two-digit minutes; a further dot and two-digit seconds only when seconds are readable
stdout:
2.16.28
